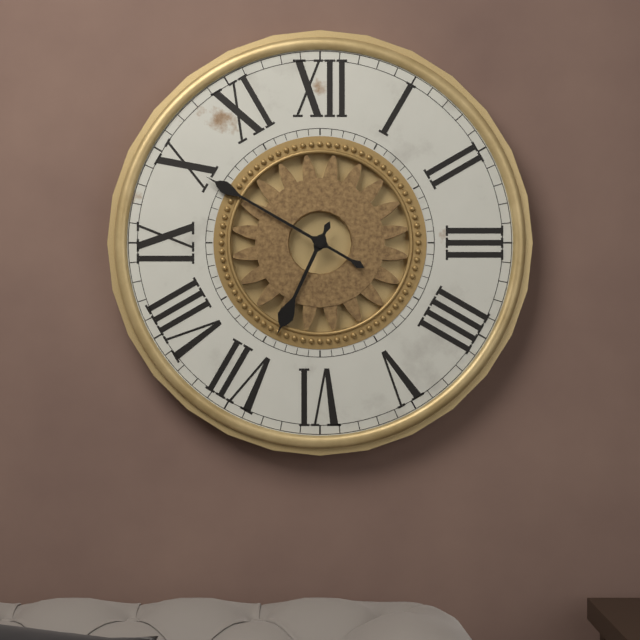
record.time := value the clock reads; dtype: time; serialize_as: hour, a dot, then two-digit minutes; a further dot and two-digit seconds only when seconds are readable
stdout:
6.50
